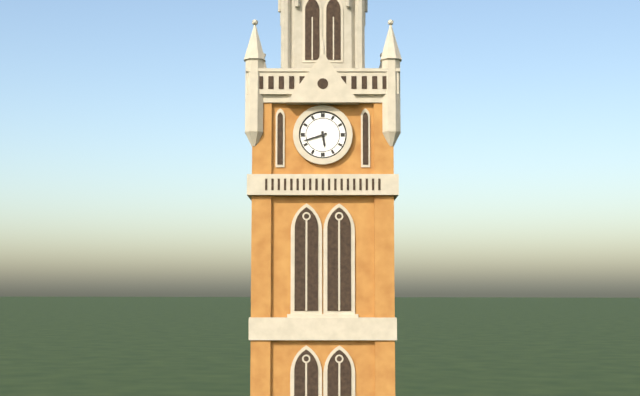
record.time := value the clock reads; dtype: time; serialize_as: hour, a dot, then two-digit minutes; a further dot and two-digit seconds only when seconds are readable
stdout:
5.42
